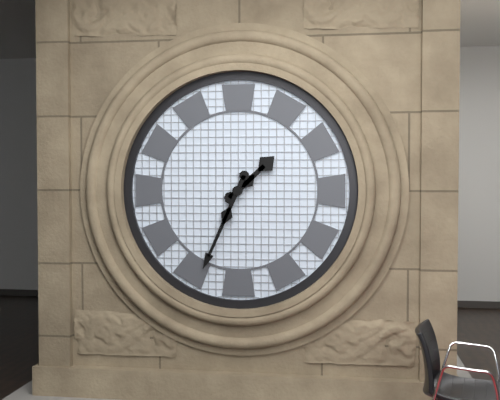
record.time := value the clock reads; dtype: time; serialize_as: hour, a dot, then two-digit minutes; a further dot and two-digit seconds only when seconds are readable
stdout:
1.34
